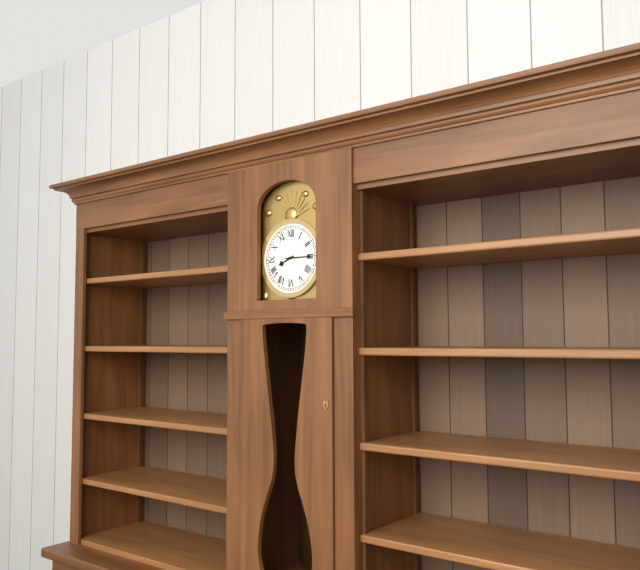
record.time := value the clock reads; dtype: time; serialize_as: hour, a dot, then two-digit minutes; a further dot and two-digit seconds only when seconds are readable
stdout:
8.15
